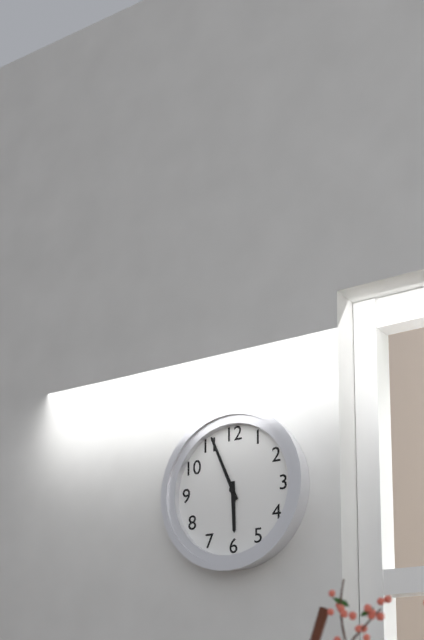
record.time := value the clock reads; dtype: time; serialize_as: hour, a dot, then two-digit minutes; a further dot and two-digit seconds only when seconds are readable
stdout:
5.56
